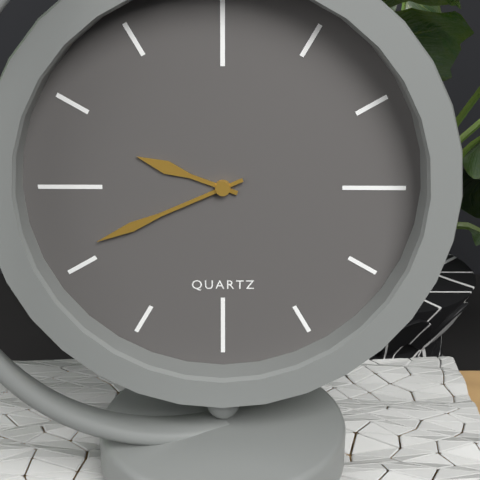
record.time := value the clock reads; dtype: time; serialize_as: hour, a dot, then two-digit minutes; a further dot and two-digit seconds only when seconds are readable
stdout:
9.41
